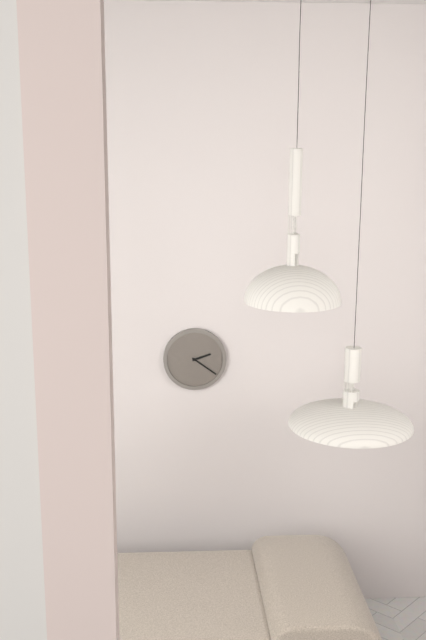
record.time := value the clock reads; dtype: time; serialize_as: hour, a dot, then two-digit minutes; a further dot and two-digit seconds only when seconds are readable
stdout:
2.21
